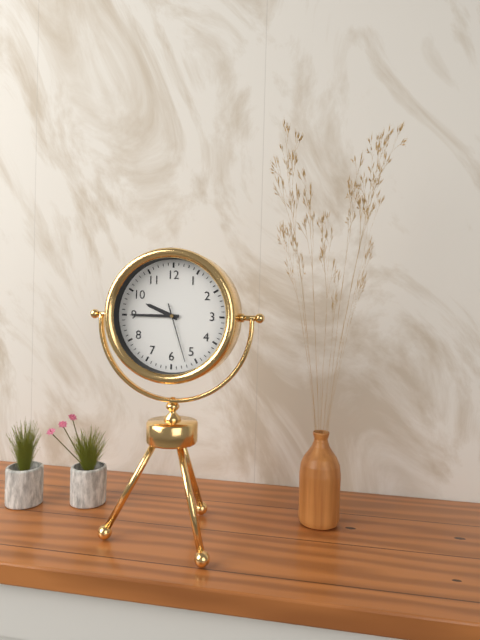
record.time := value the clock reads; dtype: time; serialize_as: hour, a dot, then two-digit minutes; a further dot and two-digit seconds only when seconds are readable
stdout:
9.45.27
